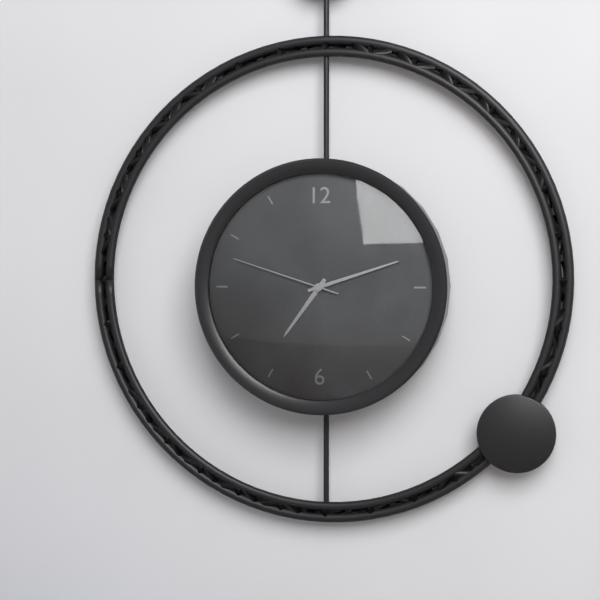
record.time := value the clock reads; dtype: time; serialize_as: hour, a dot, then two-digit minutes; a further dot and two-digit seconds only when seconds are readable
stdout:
7.12.48
